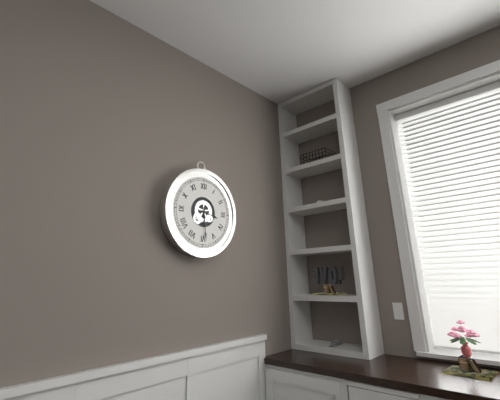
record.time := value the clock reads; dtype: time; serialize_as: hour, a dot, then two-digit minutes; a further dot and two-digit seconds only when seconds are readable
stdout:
3.29
